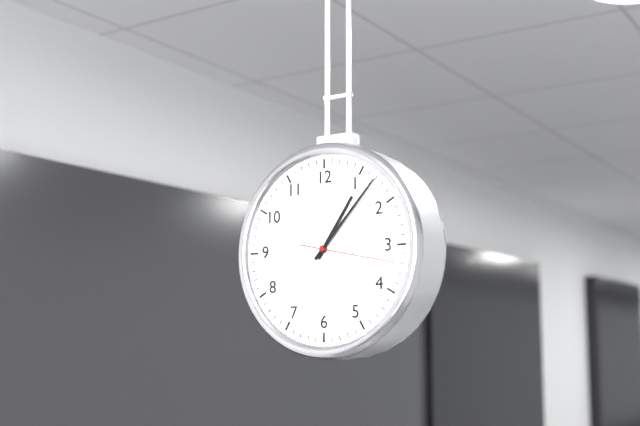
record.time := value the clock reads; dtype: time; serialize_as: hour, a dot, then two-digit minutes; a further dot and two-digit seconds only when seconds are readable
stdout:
1.07.17
